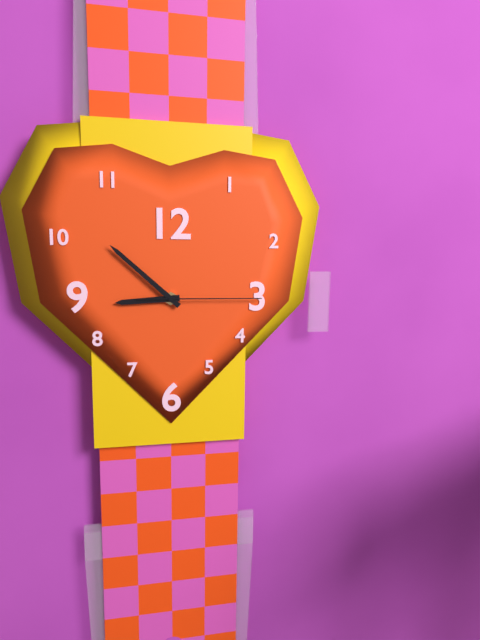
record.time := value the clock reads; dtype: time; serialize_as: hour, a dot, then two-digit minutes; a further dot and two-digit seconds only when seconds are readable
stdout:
8.52.15
